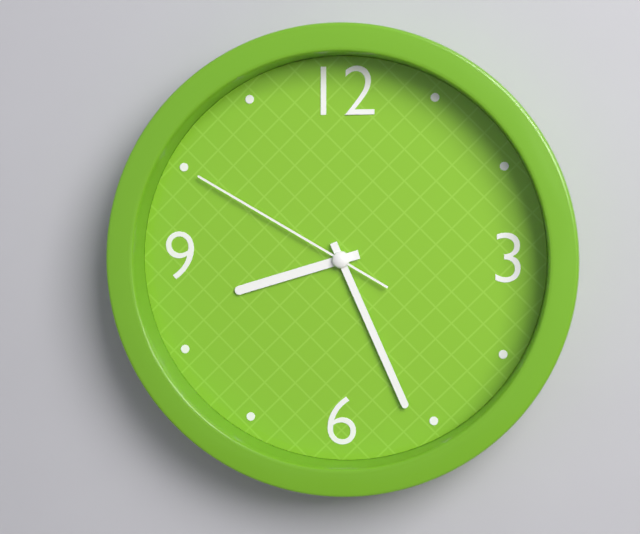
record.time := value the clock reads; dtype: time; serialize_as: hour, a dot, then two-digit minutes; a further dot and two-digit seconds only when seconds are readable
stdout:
8.26.50
